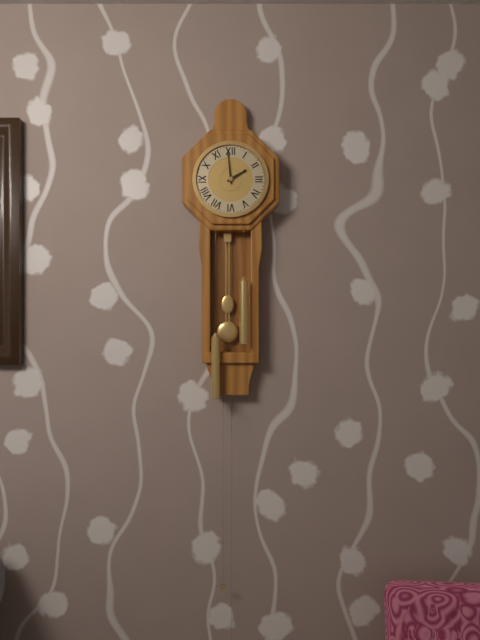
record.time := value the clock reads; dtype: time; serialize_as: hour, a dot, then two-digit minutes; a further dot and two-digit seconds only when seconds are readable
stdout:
1.59
